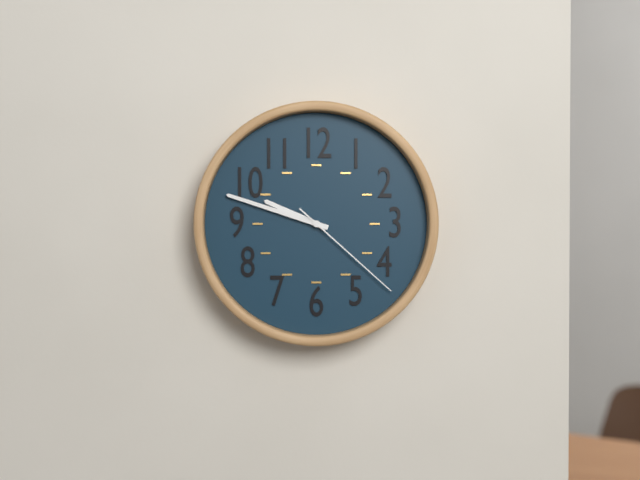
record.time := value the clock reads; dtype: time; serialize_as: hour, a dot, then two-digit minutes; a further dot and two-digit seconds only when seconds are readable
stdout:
9.48.22
